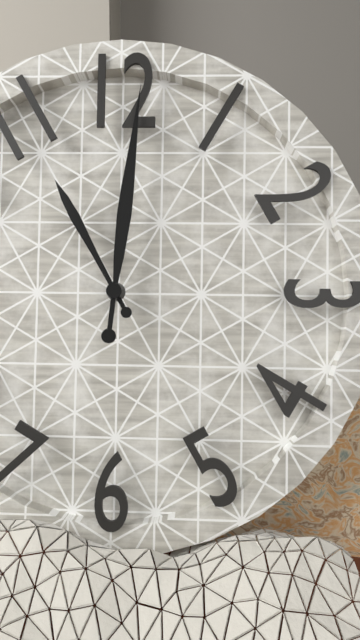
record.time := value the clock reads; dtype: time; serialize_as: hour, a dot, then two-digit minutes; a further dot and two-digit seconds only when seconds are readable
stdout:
11.01
